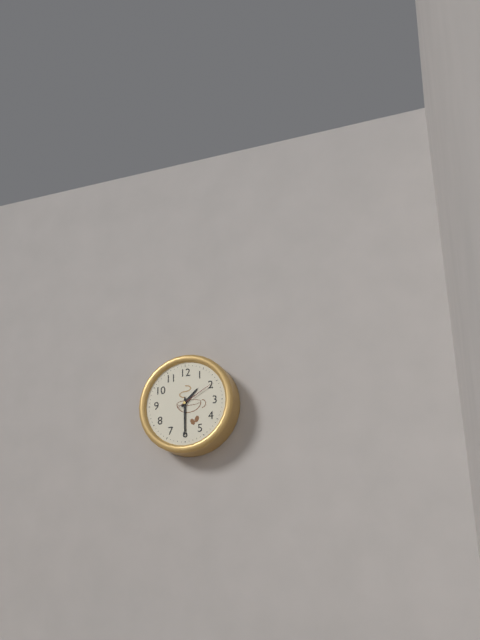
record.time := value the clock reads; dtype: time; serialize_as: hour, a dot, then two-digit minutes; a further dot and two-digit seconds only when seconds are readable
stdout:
1.30
